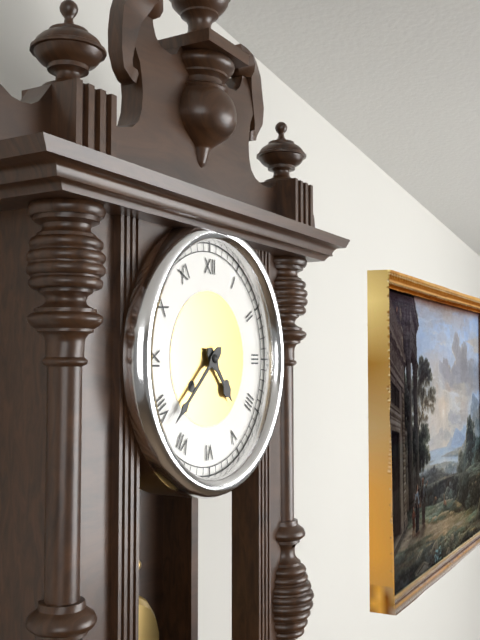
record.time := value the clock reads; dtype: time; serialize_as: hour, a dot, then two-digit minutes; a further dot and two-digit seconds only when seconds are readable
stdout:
4.38
